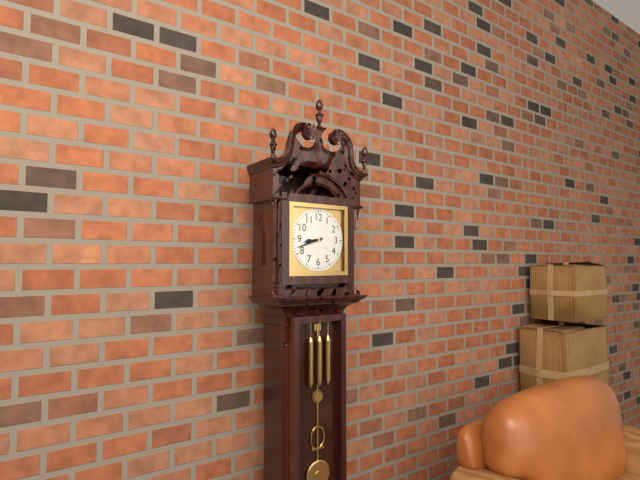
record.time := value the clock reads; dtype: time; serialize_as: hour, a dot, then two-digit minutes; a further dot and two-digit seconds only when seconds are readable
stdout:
8.42
